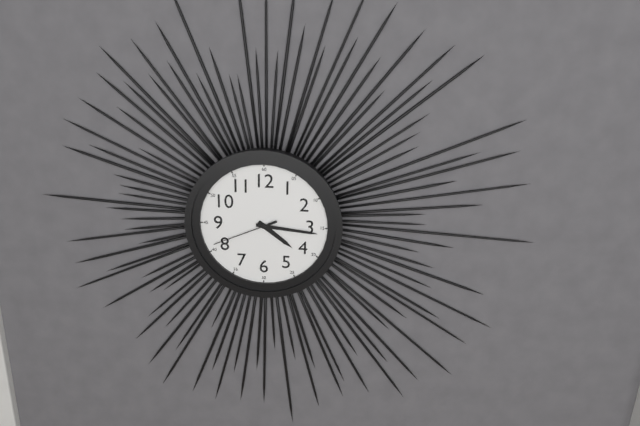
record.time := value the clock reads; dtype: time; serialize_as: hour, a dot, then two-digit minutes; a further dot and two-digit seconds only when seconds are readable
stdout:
4.16.41
